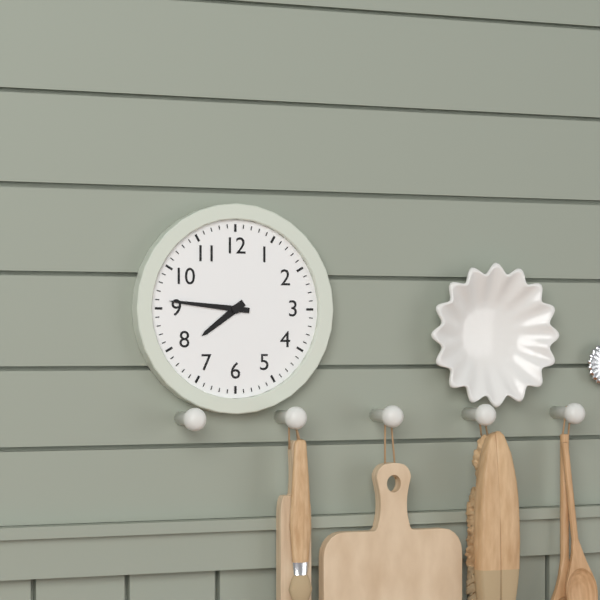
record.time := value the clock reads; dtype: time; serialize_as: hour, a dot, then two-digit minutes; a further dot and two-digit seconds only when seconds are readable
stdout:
7.46
